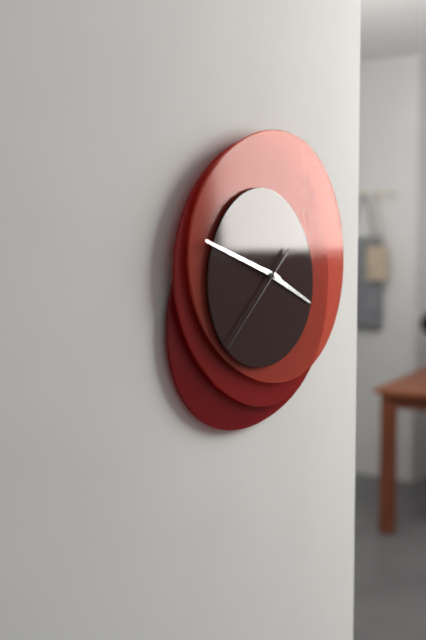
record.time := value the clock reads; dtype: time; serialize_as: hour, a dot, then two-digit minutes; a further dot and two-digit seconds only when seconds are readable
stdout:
3.48.38
